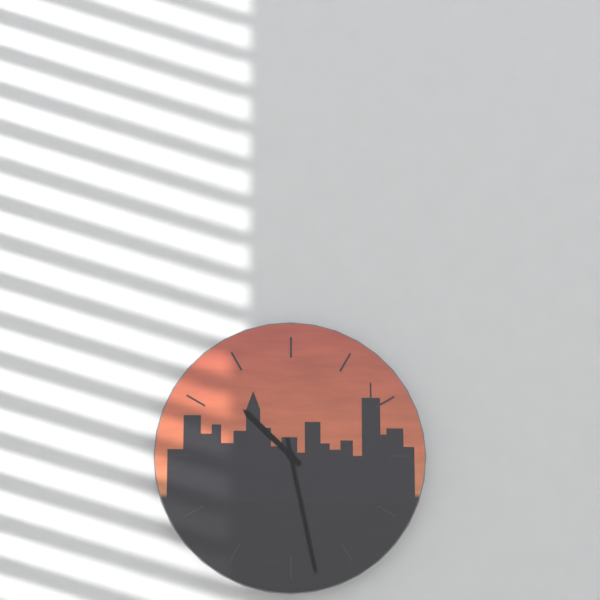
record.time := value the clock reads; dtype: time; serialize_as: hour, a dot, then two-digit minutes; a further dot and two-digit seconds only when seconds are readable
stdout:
10.28
